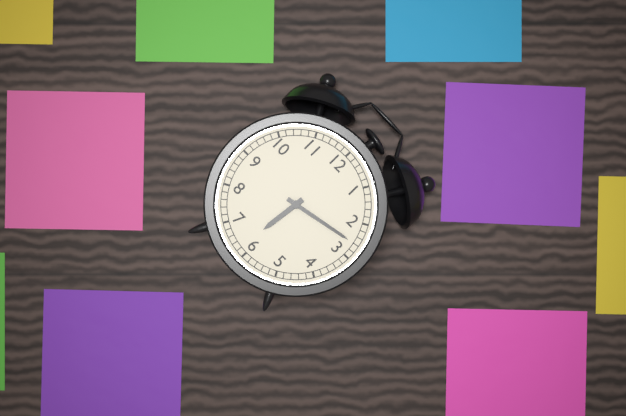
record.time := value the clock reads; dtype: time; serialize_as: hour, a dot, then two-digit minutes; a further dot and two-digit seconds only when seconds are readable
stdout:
6.13
